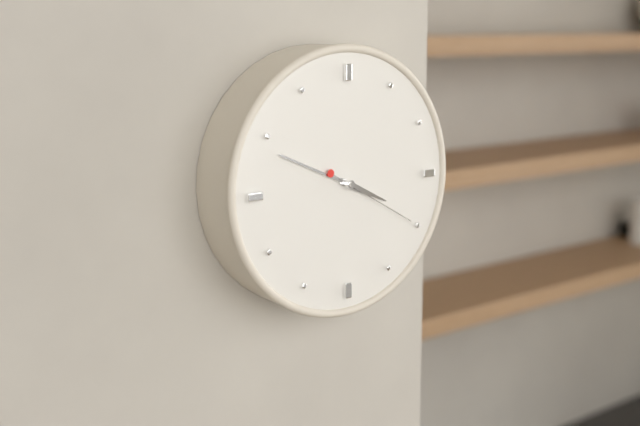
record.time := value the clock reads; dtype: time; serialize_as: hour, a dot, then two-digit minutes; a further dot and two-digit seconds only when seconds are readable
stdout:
3.49.20
